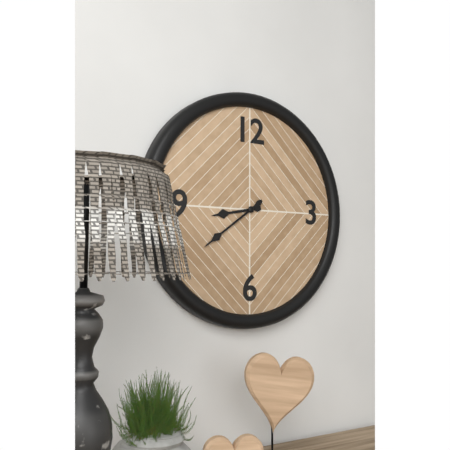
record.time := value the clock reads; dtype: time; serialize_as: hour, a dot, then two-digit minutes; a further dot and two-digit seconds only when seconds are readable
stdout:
8.39
